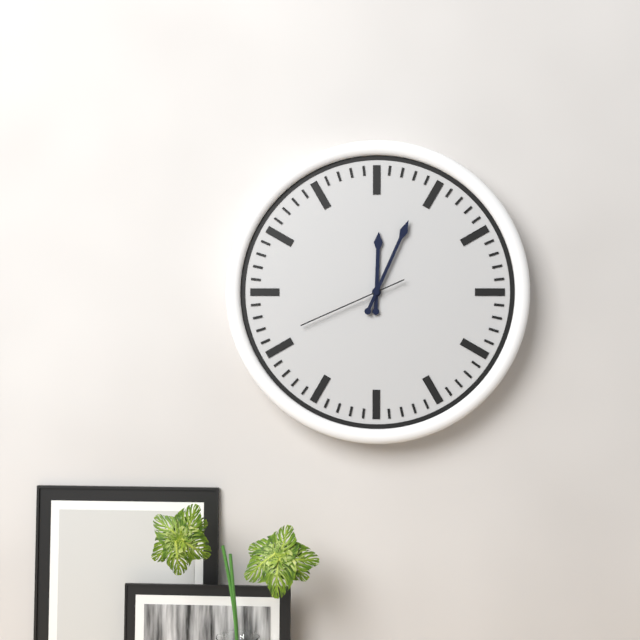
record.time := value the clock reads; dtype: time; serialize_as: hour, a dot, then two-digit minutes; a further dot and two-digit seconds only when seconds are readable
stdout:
12.04.41
